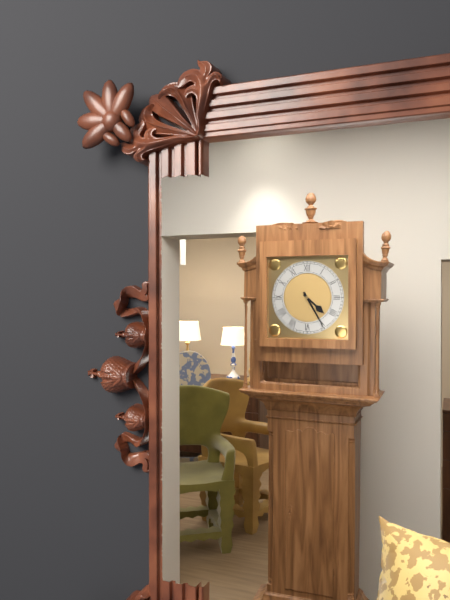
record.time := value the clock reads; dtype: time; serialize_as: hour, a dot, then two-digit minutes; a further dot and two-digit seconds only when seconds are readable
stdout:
4.25
